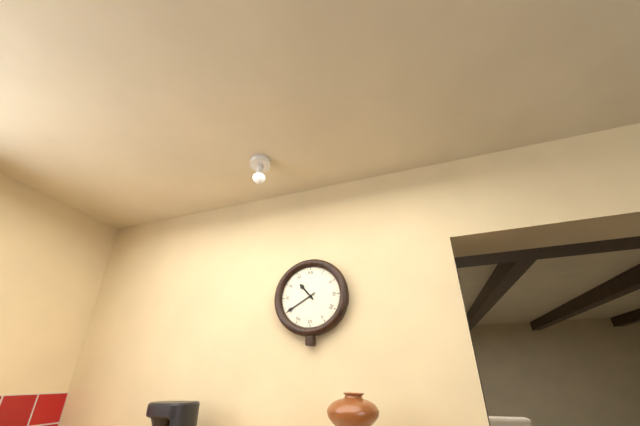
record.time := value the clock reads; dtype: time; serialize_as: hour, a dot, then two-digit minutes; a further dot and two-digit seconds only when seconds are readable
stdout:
10.40
